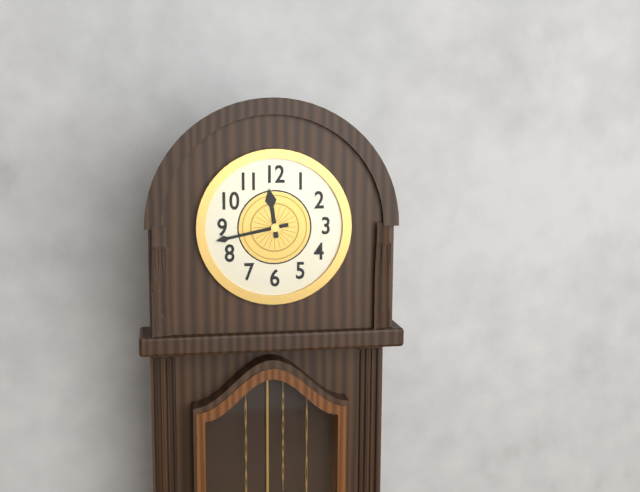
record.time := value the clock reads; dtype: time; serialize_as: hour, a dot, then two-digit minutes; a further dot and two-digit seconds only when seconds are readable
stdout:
11.43
